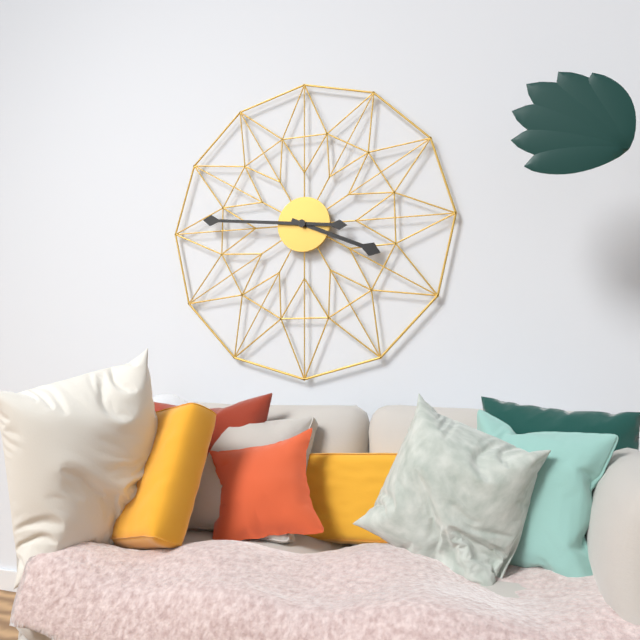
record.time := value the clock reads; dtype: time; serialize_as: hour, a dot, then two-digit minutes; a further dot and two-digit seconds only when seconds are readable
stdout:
3.46
